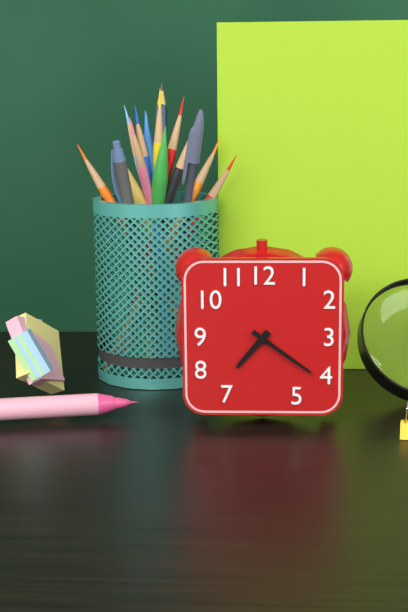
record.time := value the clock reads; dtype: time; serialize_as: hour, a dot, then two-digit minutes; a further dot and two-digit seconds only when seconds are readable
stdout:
7.21
